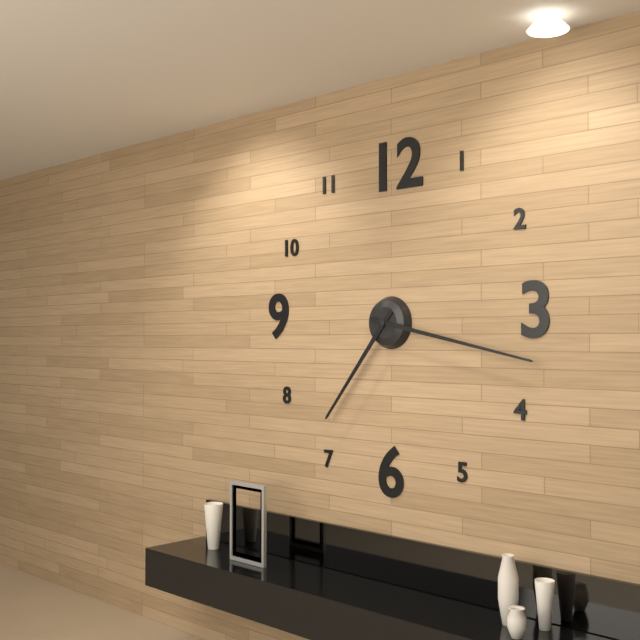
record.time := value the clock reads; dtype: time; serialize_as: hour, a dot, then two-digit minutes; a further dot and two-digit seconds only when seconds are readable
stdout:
7.17
